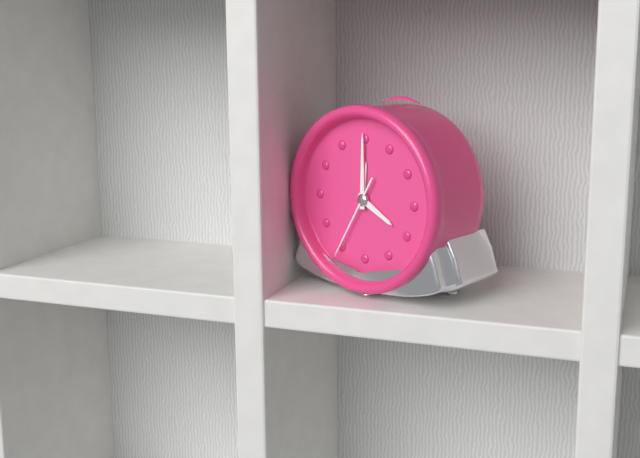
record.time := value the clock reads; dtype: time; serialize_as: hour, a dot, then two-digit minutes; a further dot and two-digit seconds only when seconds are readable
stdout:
4.00.35
